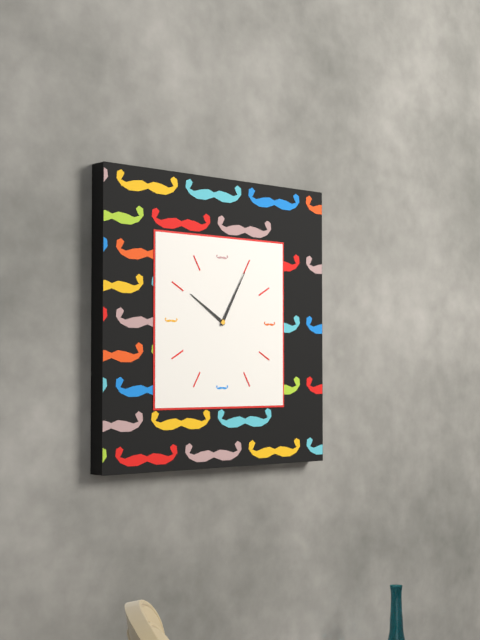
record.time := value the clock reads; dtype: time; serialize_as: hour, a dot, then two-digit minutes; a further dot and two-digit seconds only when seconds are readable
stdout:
10.05
